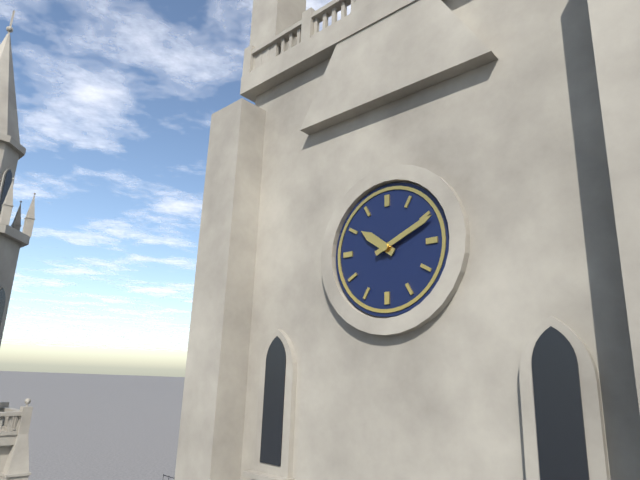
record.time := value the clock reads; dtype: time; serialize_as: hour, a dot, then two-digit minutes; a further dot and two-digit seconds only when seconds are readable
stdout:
10.11
